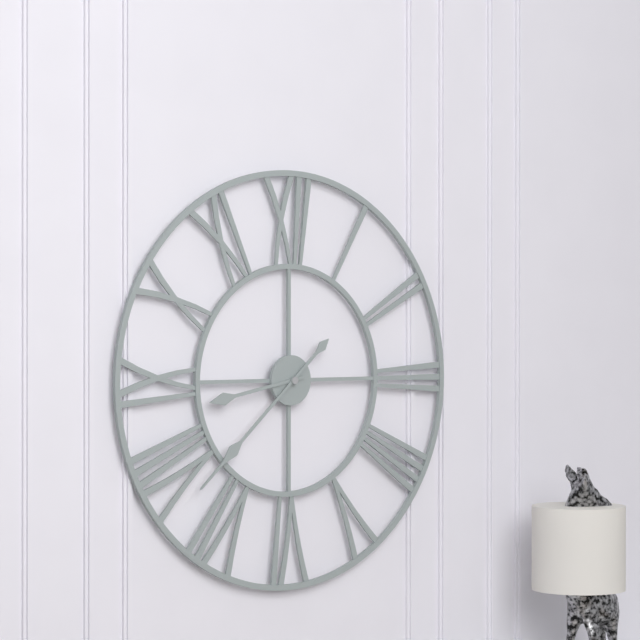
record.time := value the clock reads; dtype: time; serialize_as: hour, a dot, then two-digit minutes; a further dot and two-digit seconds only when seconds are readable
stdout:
8.38
